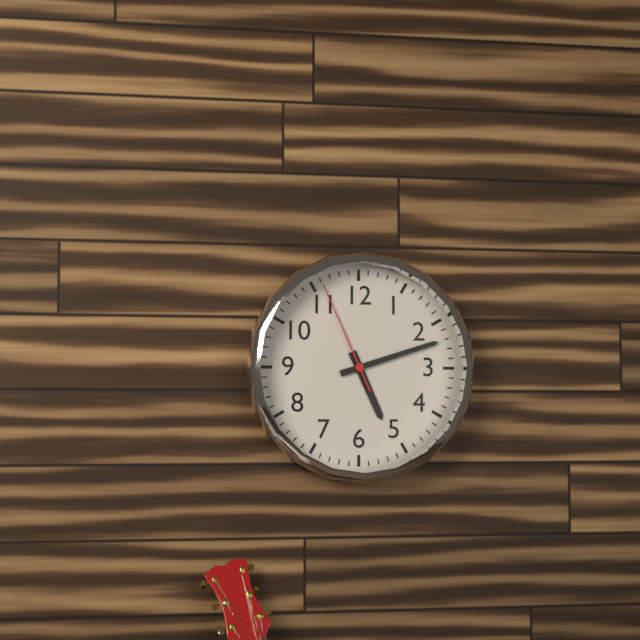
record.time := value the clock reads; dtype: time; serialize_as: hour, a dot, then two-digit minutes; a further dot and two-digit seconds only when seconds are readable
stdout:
5.12.56
